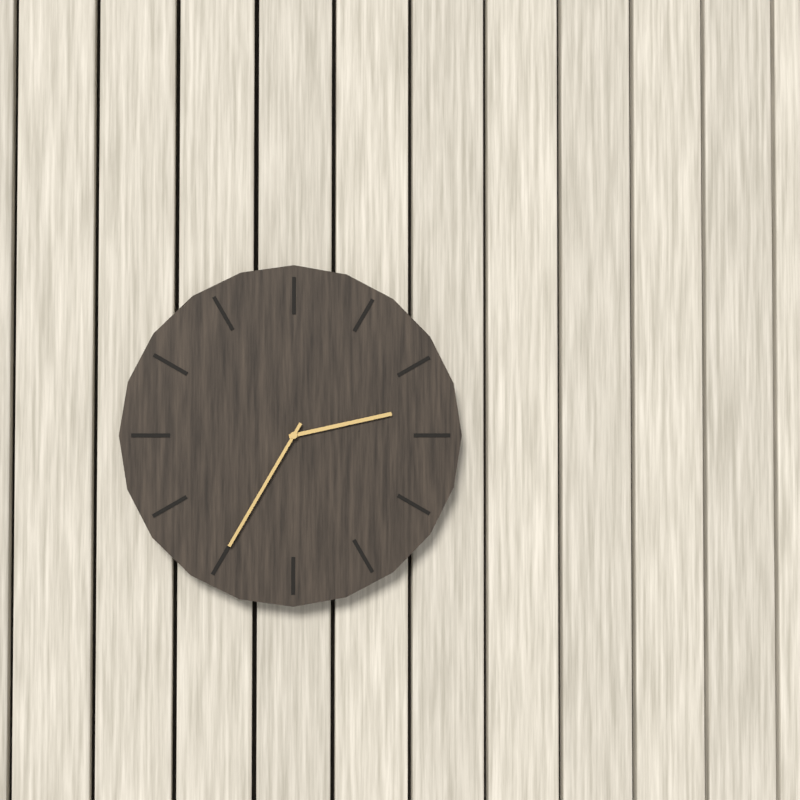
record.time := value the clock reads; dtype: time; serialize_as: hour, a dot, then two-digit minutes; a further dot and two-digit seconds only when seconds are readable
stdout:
2.35
